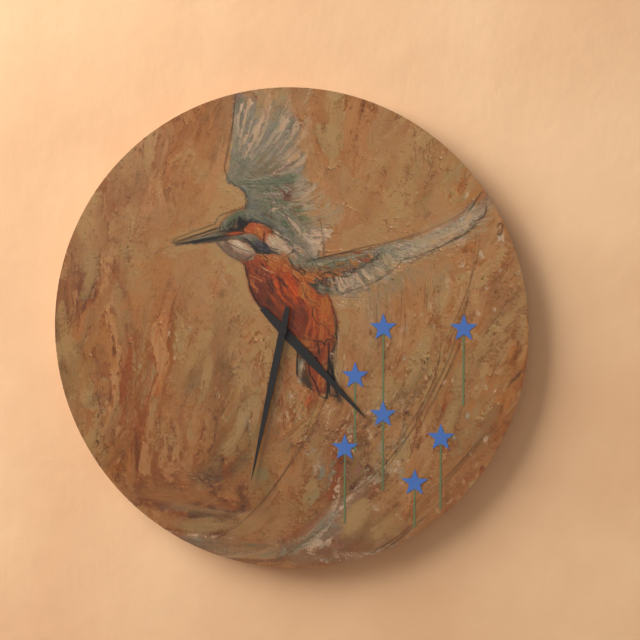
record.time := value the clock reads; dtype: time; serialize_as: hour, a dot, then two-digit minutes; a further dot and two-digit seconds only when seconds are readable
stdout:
4.32
